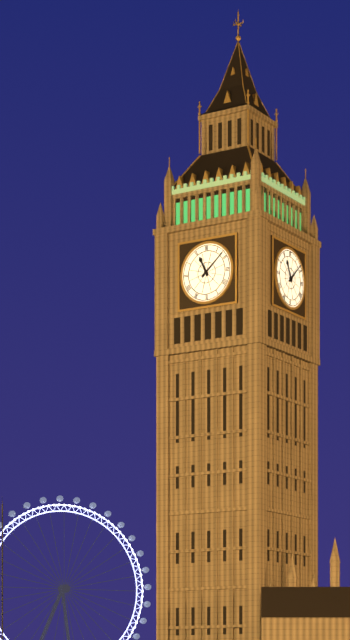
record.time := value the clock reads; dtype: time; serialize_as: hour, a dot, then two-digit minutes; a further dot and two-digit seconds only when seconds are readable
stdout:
11.08
